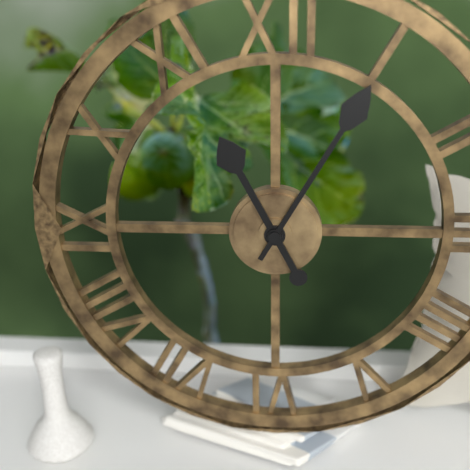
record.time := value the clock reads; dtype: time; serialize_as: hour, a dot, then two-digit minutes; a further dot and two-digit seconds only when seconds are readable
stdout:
11.05
